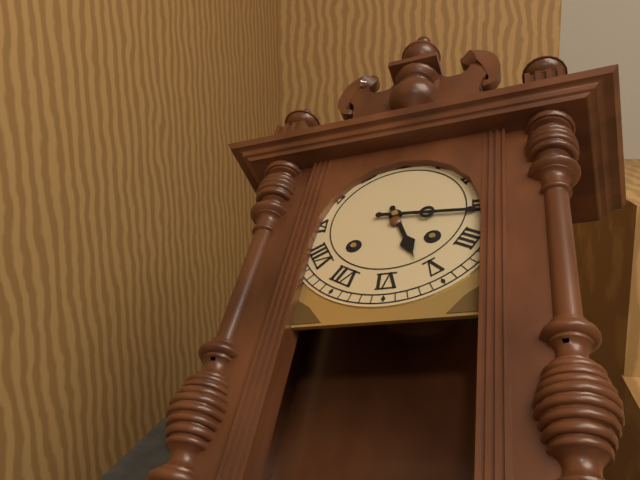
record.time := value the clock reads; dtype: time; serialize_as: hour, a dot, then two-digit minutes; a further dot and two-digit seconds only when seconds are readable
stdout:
5.16
